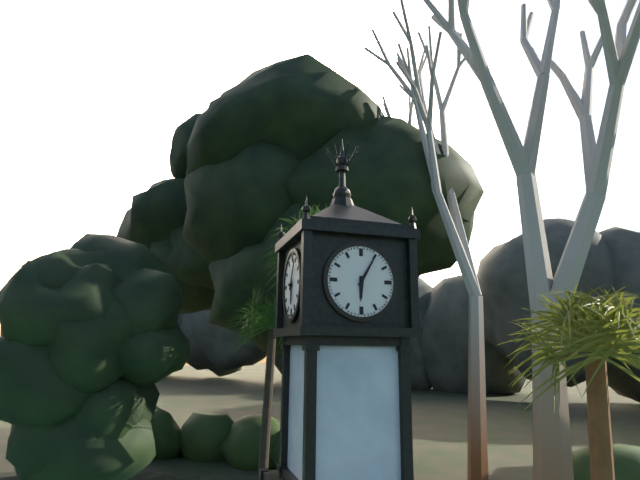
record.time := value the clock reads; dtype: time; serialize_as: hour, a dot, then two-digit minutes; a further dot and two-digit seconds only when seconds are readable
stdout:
6.05
